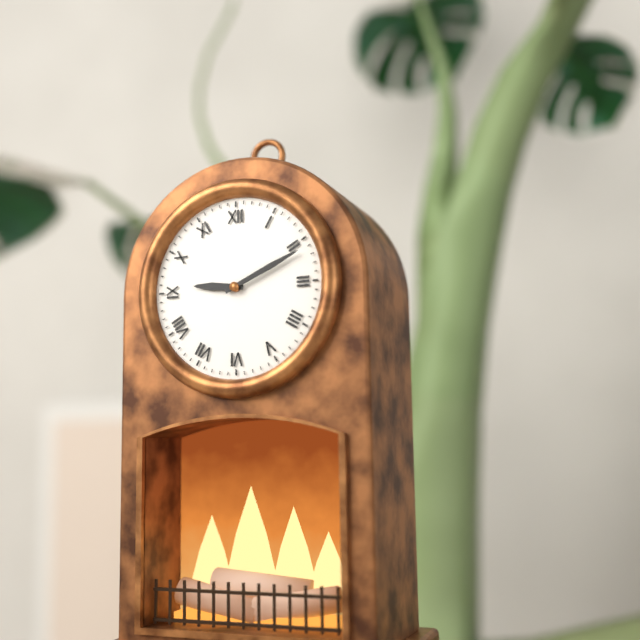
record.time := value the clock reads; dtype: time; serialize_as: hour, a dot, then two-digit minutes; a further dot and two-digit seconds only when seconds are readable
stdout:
9.11
